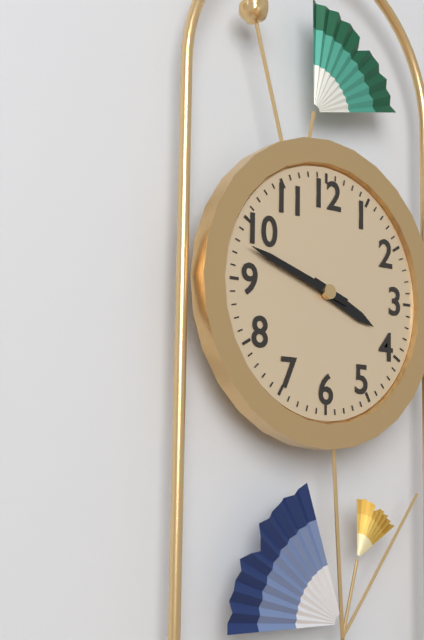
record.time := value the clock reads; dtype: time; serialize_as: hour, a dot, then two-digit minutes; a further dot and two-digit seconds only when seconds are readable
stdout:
3.48
